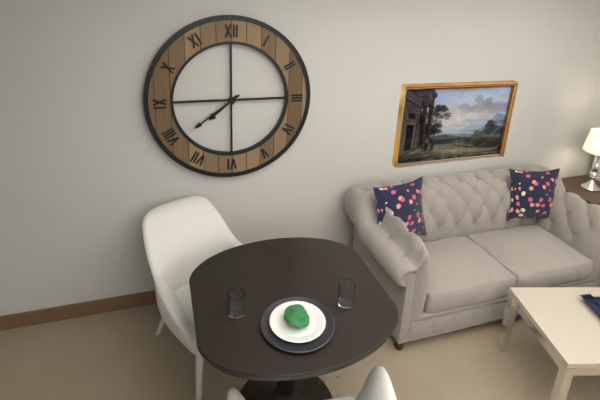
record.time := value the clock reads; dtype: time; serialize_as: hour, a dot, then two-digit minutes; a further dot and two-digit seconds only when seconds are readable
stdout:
7.39
